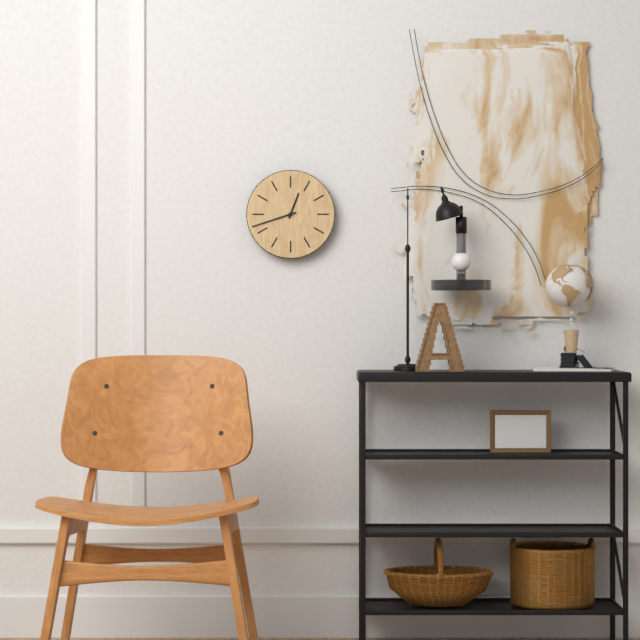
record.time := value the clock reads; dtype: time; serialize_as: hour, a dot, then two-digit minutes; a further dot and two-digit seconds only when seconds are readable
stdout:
12.42
